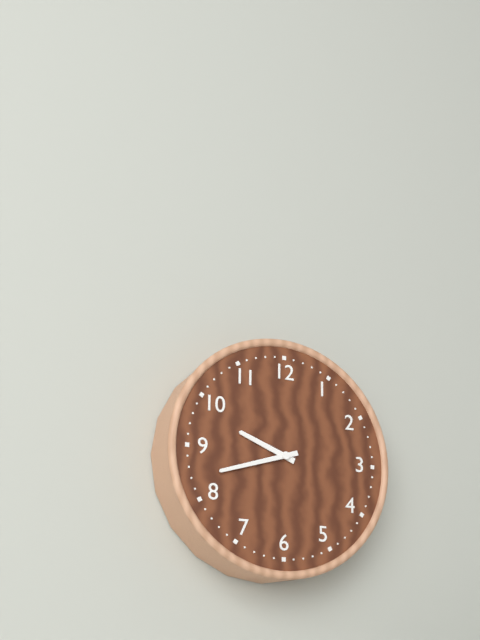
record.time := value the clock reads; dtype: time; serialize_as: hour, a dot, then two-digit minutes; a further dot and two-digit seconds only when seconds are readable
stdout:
9.42
